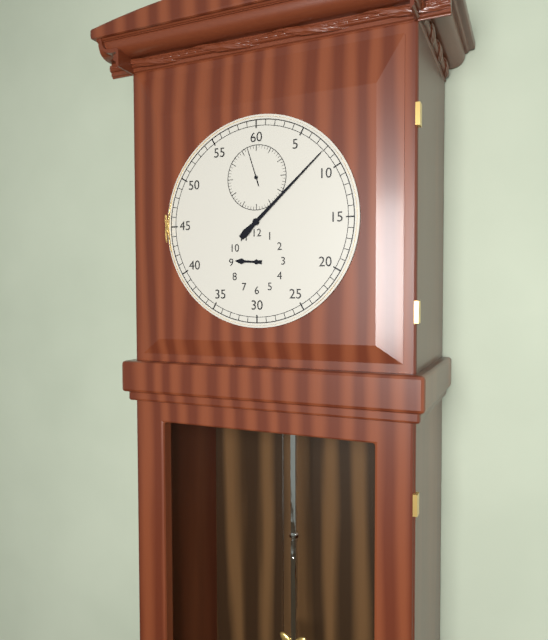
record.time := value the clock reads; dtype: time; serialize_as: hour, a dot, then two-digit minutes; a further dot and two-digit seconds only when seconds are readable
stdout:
9.08
